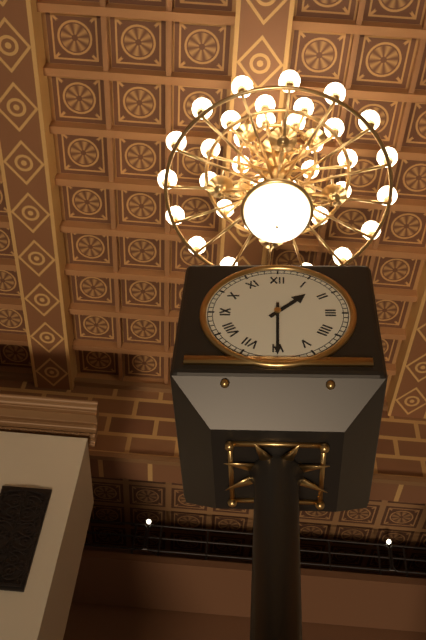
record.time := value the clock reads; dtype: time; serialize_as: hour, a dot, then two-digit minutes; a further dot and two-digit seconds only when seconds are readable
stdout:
1.30
